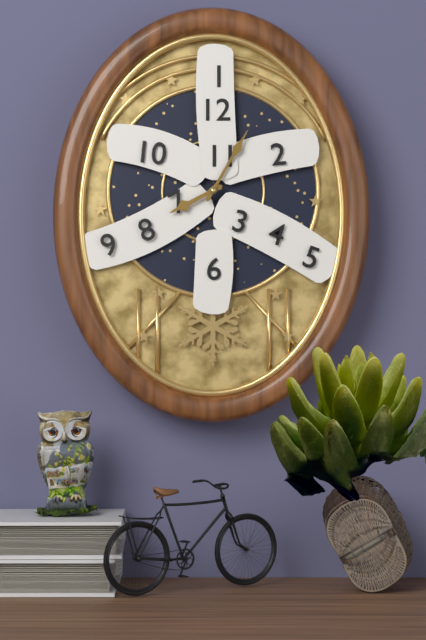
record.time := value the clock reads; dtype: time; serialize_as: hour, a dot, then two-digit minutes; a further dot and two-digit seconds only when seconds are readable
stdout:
8.05
